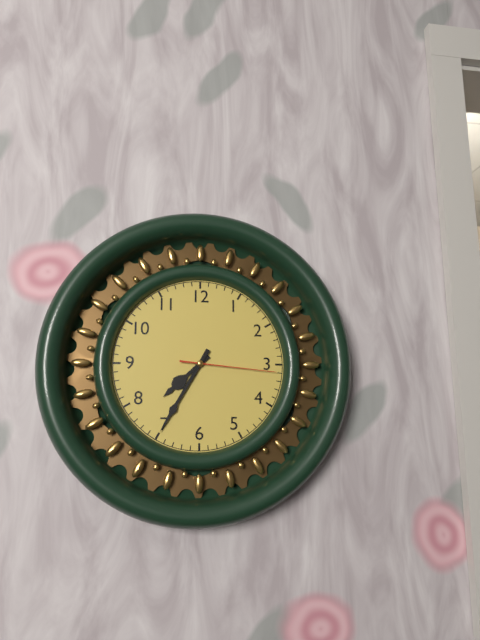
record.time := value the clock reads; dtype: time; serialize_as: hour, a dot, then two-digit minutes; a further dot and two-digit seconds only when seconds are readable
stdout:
7.35.16
